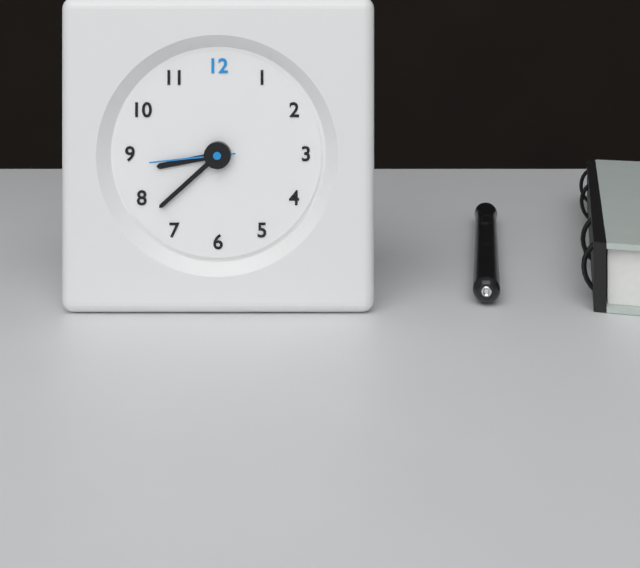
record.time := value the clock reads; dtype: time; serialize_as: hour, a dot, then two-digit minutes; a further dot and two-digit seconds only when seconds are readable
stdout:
8.38.44
